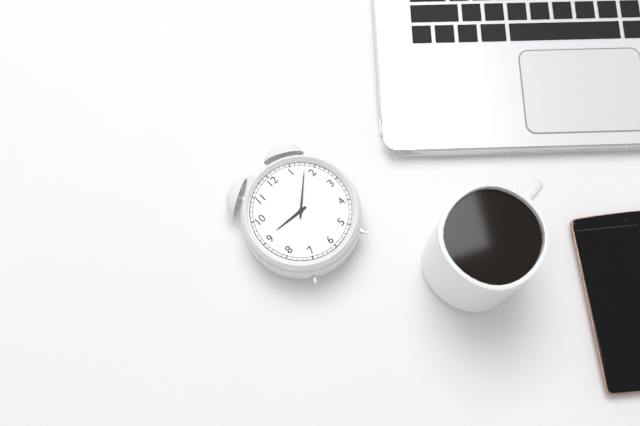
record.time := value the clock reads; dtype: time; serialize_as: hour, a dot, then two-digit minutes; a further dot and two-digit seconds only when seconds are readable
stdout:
9.08
